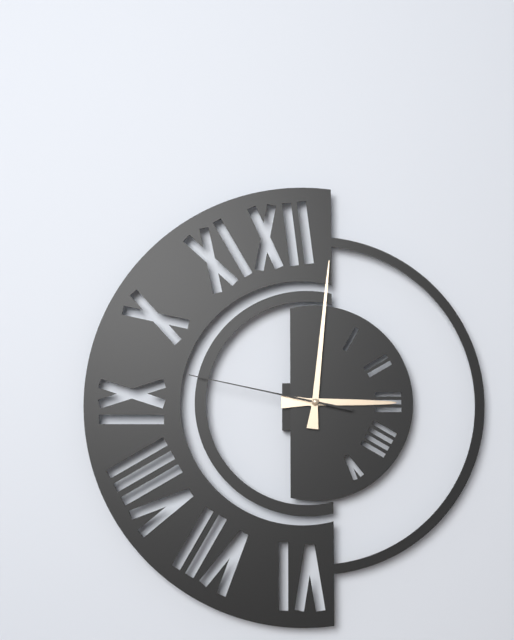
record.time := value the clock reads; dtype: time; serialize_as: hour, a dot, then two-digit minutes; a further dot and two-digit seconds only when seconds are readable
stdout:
3.01.47
